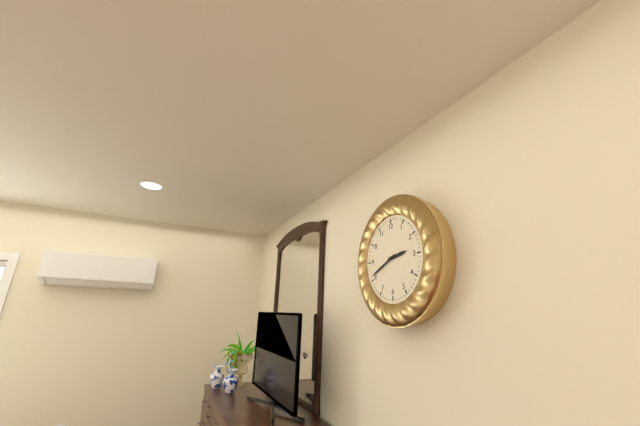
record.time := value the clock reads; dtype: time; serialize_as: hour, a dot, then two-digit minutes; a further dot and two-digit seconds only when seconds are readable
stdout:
2.41
